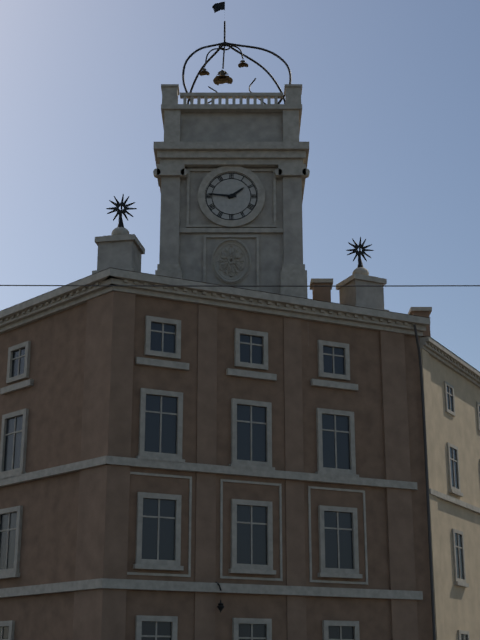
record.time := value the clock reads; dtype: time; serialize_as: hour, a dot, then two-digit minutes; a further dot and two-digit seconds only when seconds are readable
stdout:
1.46
